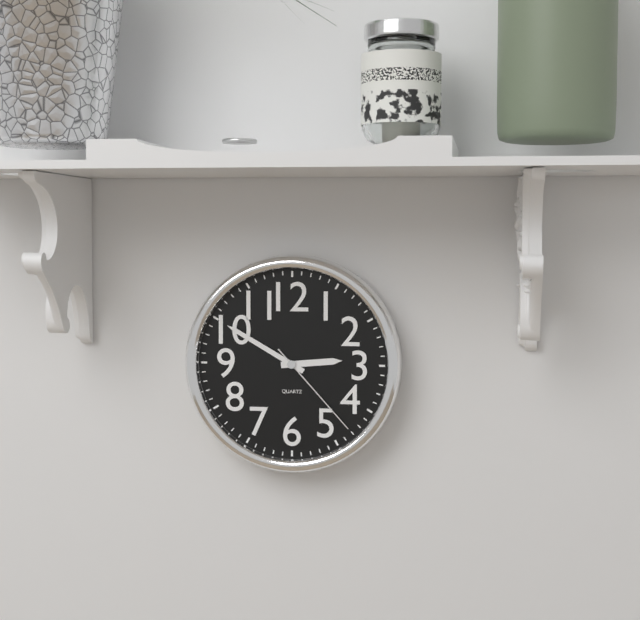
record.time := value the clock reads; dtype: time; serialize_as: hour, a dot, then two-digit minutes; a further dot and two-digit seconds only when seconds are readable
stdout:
2.50.23
